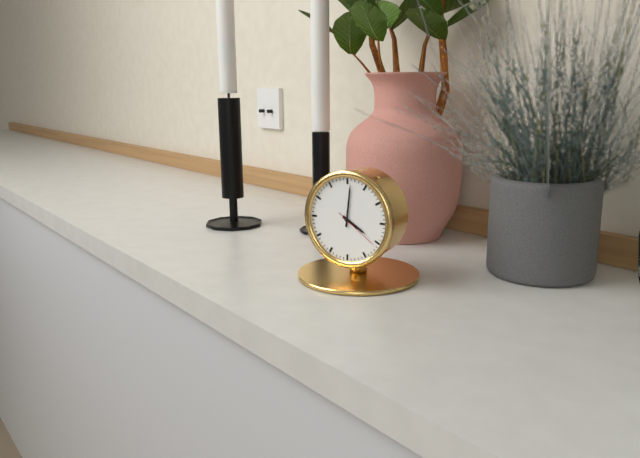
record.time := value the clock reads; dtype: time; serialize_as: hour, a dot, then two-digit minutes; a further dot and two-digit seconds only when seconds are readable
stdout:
4.01
